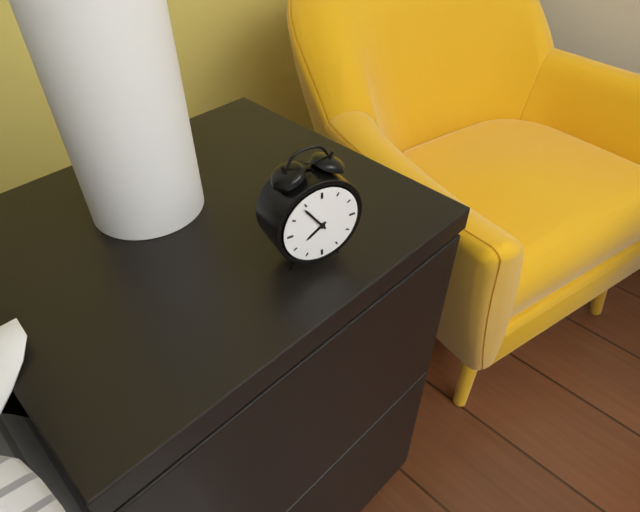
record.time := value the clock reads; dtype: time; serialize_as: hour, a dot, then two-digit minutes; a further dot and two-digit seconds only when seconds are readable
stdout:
7.54
